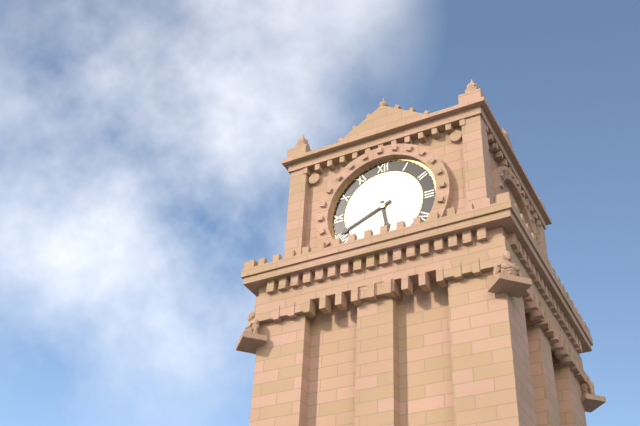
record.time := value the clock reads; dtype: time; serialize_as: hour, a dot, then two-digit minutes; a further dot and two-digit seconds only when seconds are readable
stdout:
5.41
